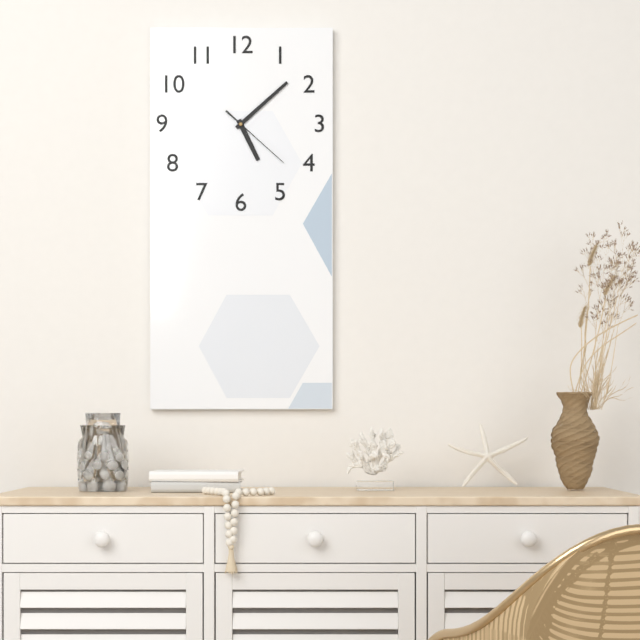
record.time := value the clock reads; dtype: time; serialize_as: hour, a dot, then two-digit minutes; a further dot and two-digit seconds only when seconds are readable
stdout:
5.08.22
